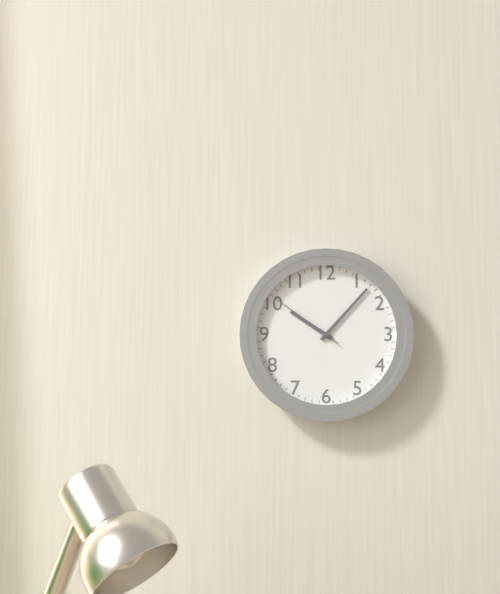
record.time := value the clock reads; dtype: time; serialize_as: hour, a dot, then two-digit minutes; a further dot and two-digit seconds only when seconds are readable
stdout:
10.07.51
